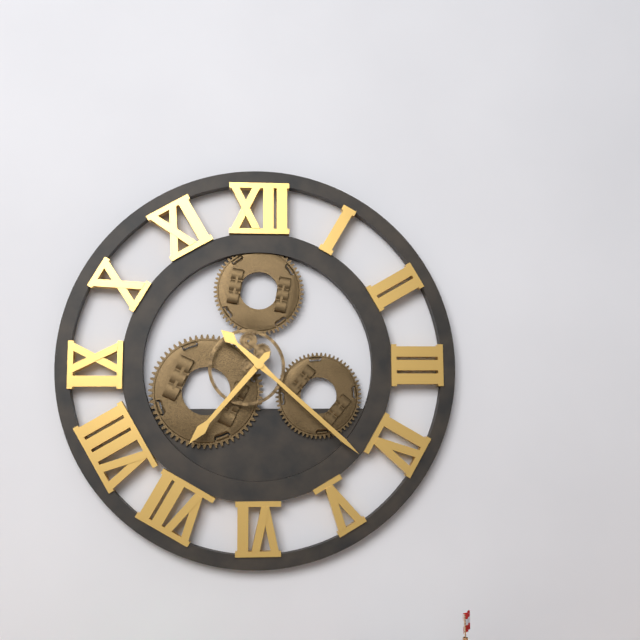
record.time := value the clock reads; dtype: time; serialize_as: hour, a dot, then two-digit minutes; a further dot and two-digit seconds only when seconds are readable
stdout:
7.22
